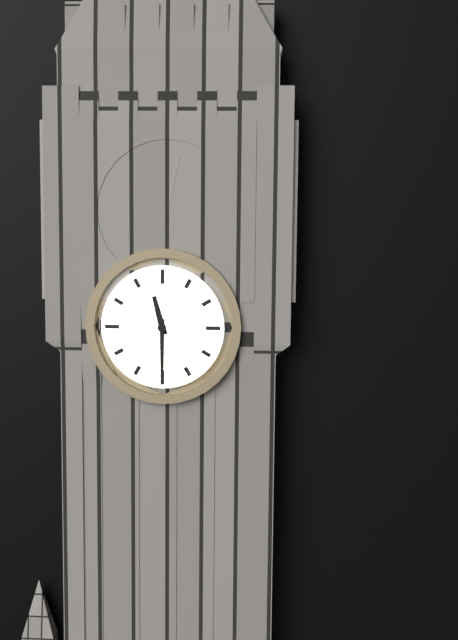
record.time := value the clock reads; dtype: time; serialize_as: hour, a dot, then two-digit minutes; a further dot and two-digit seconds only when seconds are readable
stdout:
11.30
